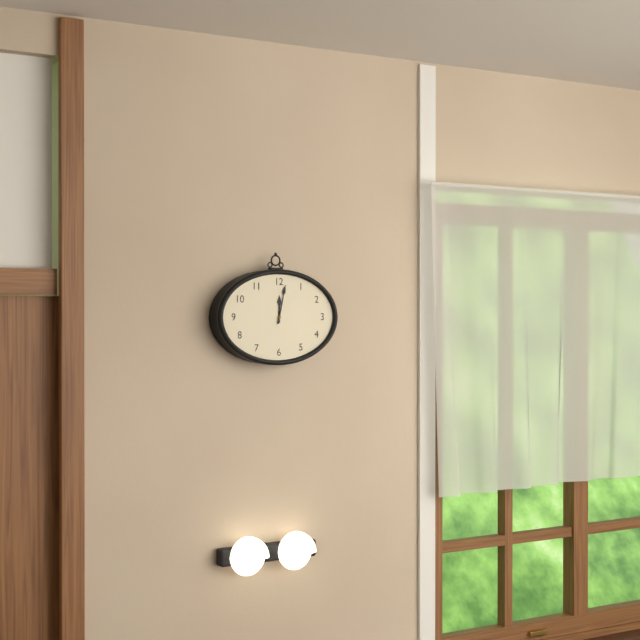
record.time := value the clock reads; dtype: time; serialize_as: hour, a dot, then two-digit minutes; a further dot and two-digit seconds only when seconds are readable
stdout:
12.02
